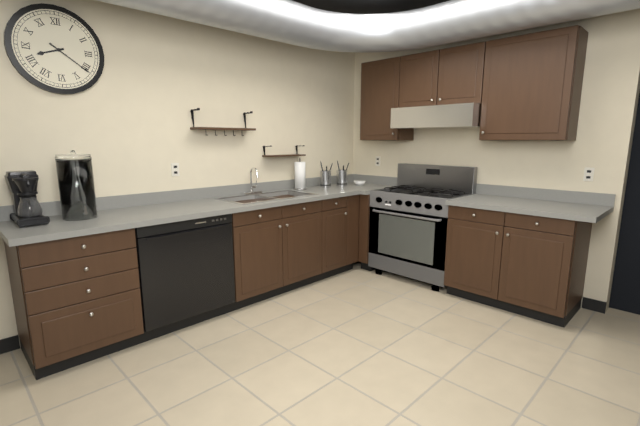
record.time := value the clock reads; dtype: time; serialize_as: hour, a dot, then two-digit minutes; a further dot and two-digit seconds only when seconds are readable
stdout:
8.21
